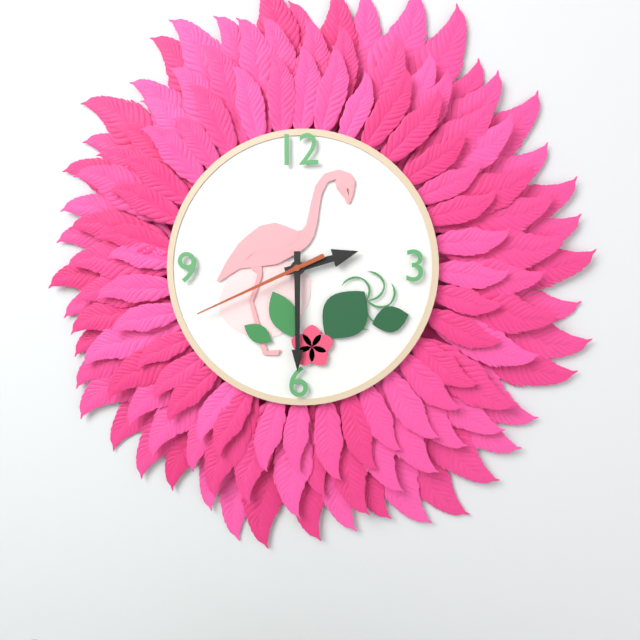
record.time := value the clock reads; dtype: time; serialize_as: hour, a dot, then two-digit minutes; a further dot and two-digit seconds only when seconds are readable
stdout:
2.30.41
